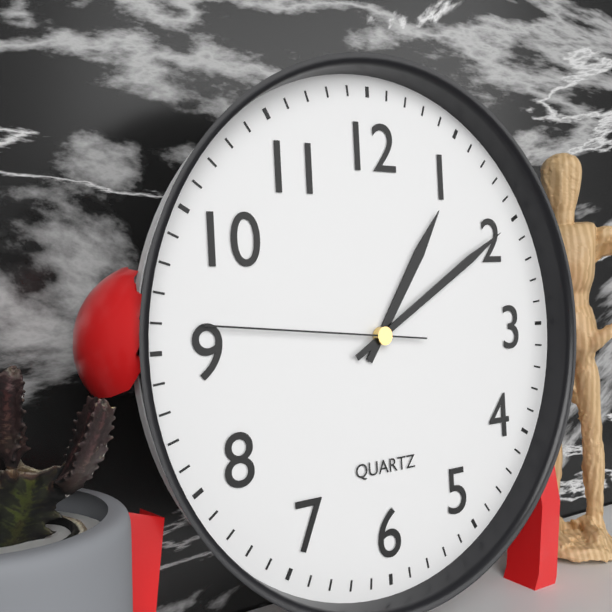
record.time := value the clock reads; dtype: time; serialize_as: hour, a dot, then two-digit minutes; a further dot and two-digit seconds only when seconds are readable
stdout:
1.10.46
